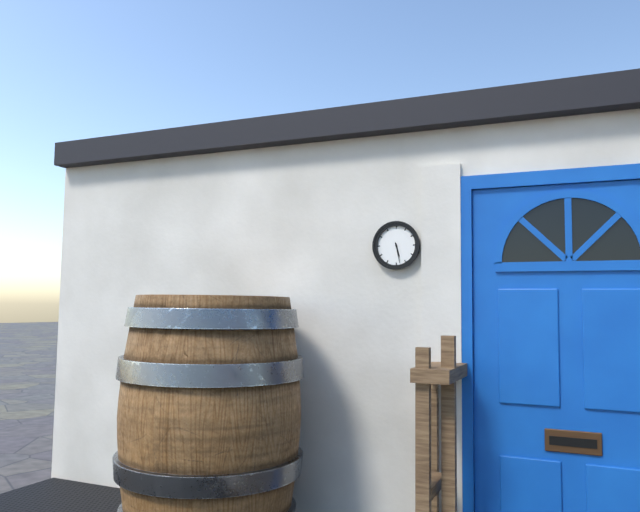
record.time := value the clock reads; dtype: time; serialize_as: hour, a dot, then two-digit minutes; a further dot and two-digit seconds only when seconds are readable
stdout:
5.28
